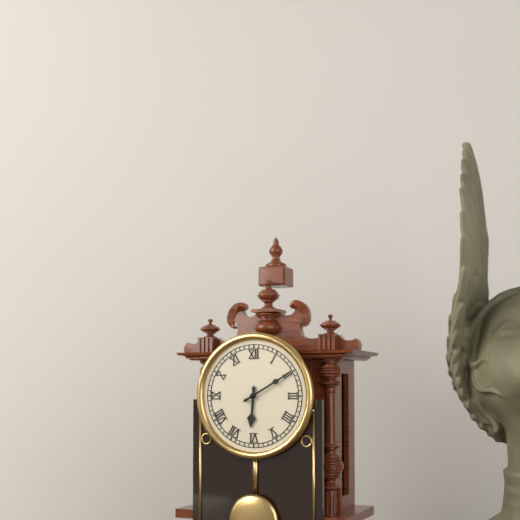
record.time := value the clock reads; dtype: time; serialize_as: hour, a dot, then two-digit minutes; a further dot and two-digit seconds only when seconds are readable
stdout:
6.10
